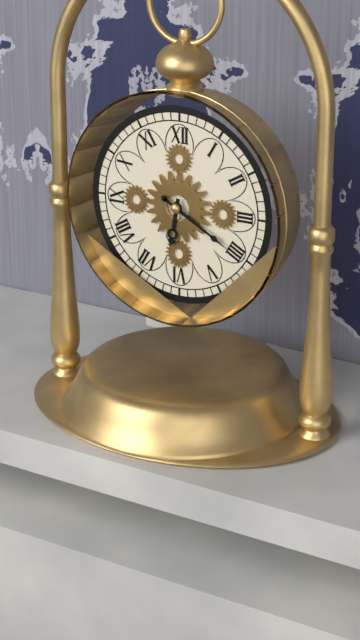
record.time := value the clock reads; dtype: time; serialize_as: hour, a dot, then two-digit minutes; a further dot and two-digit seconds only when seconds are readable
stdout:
6.20
